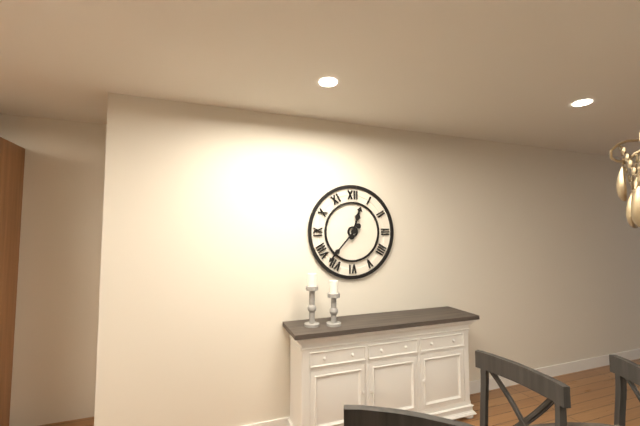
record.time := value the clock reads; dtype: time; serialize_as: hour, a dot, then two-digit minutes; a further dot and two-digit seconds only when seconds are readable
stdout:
12.37
